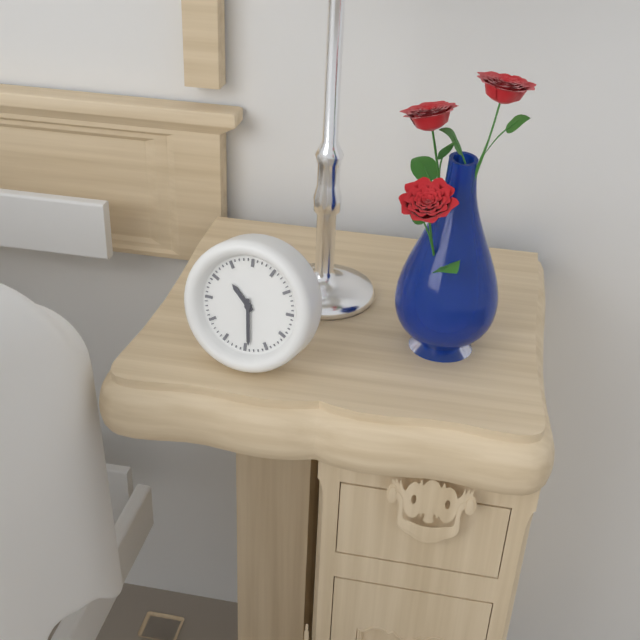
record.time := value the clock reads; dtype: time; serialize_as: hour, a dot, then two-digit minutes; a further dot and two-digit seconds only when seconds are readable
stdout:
10.29
